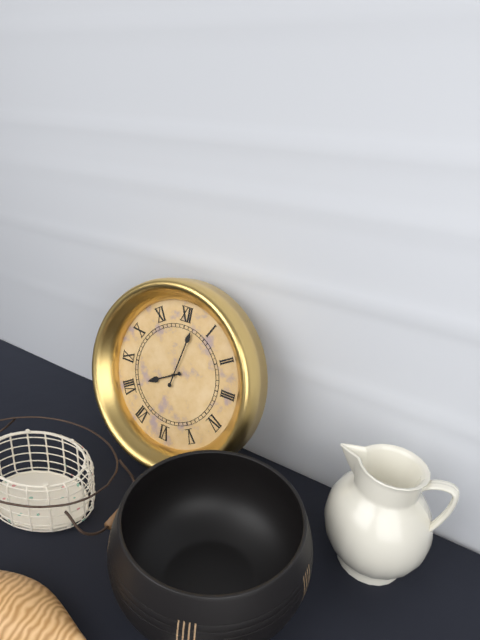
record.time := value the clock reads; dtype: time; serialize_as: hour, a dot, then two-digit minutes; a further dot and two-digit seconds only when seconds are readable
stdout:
8.02
